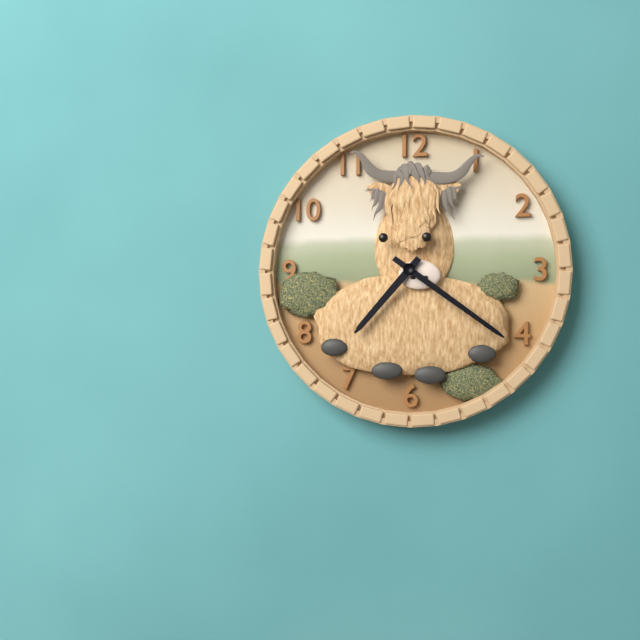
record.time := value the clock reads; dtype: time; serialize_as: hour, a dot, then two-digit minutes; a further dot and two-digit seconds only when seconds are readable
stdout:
7.21
